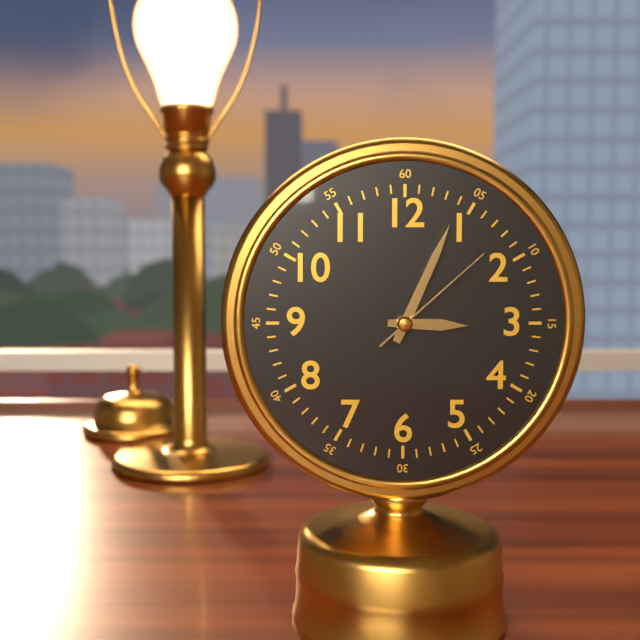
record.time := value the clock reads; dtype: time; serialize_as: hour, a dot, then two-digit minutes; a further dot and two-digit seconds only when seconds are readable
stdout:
3.04.08
